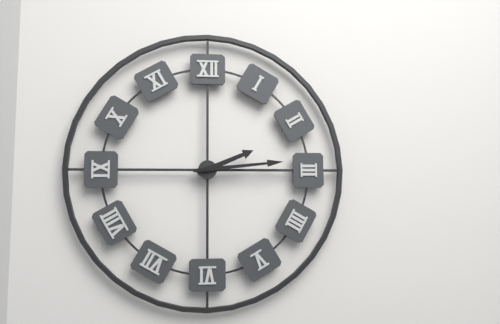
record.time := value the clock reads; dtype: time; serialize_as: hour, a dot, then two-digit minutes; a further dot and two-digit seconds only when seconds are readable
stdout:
2.14
